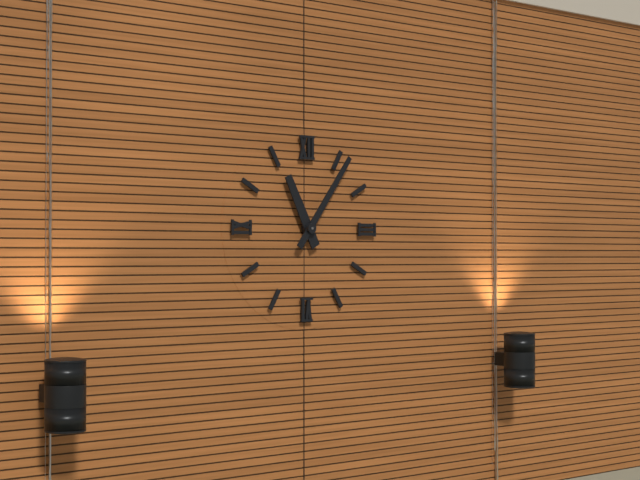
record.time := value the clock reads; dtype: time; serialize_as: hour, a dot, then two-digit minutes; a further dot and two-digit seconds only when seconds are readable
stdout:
11.06
